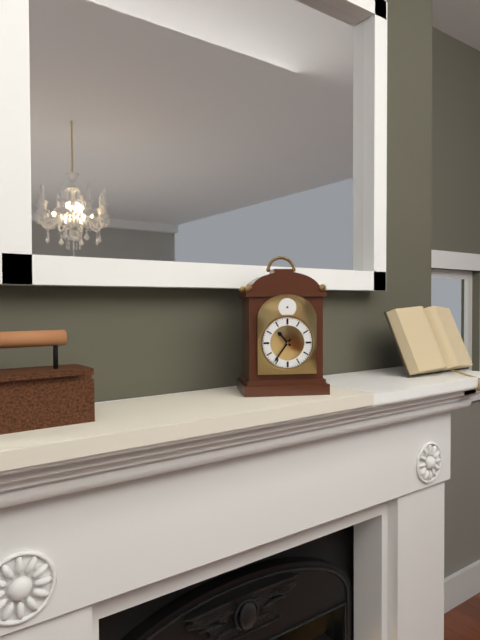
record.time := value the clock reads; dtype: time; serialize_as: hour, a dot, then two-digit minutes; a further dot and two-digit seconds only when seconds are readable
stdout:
10.36
